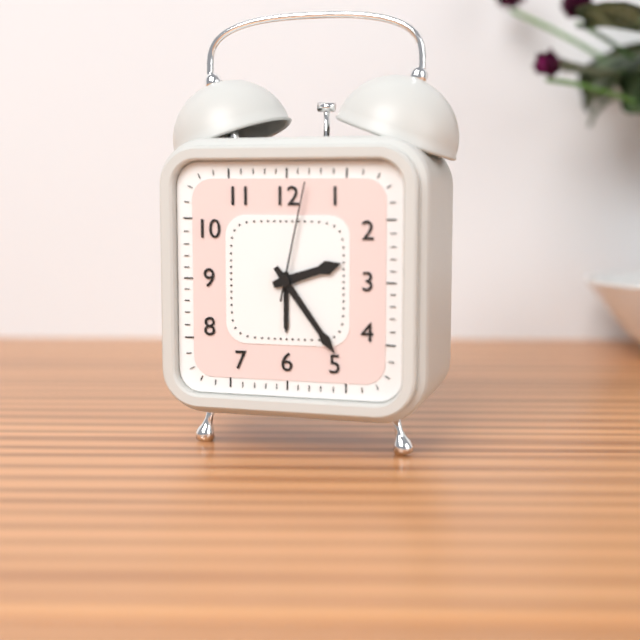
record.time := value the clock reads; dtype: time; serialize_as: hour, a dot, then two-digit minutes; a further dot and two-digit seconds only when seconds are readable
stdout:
2.24.02
